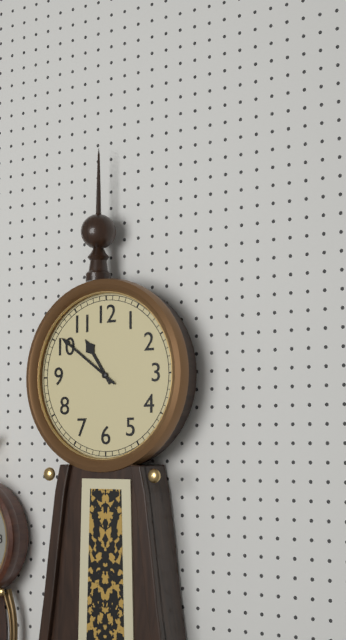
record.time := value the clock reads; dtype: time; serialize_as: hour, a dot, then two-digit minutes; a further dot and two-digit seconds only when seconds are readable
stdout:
10.51
